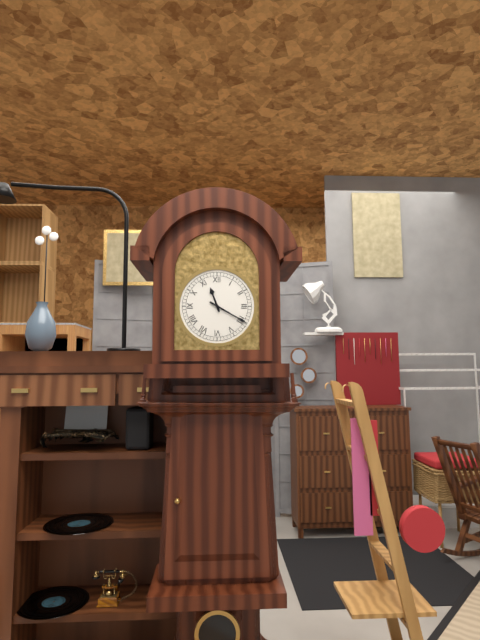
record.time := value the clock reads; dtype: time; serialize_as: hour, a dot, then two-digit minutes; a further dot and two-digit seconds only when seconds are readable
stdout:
11.20
